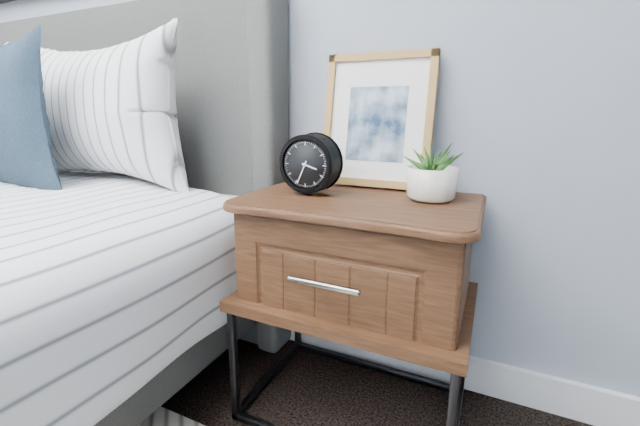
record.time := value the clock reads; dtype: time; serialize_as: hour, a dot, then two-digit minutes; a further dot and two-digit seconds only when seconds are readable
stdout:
3.34
